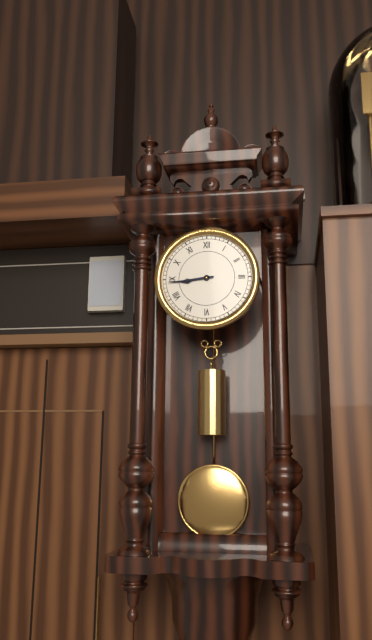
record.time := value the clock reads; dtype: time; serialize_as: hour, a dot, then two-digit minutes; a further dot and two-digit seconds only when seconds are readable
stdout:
8.44
